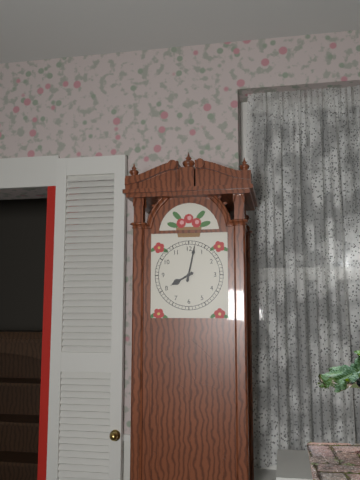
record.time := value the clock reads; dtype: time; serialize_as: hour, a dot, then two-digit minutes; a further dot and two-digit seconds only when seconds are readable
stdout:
8.02
